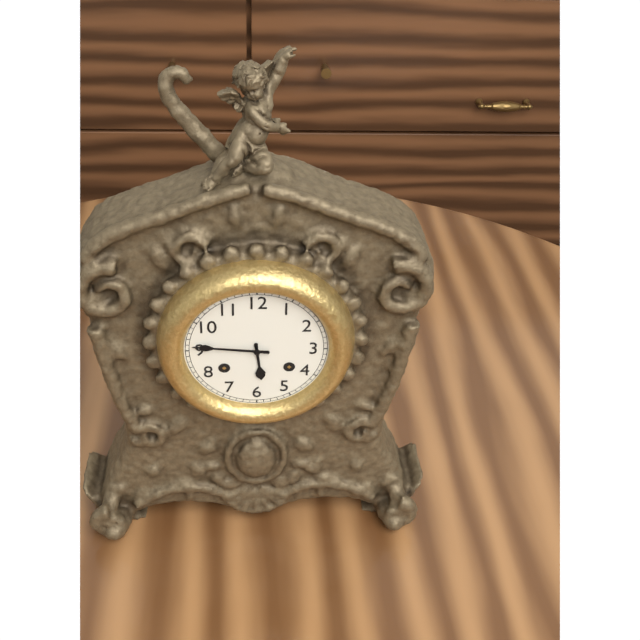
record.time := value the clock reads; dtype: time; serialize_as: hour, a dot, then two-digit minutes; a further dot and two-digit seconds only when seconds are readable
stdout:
5.46
